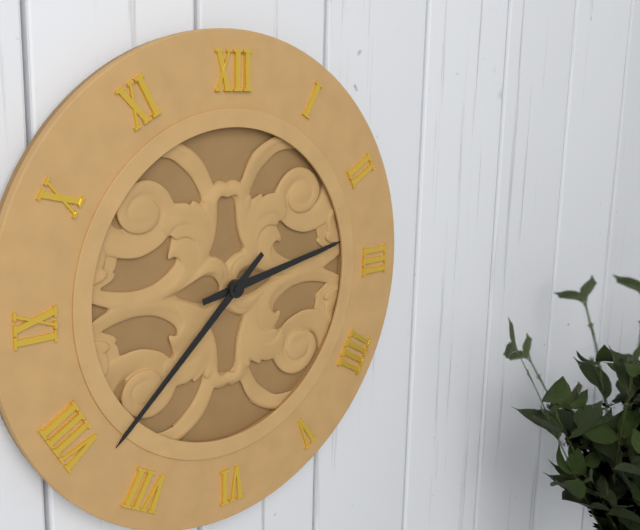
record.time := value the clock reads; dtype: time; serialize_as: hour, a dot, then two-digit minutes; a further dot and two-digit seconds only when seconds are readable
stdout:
2.38
